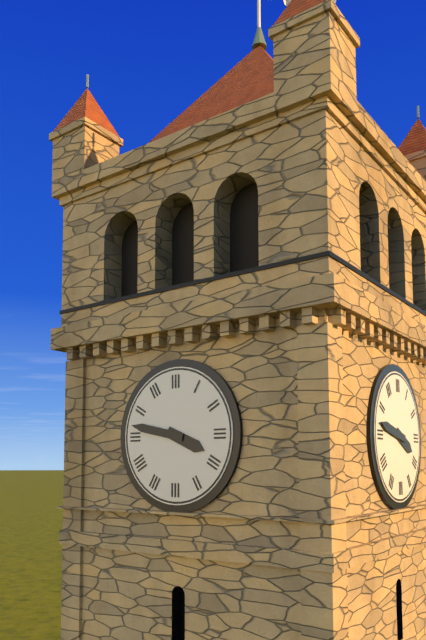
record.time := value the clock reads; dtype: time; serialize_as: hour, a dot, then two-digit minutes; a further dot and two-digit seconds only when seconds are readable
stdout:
3.47
